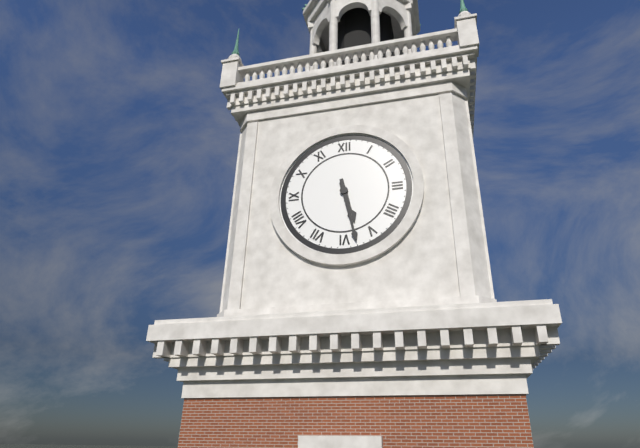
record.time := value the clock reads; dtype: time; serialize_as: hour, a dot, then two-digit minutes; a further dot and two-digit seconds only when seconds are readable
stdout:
5.28
